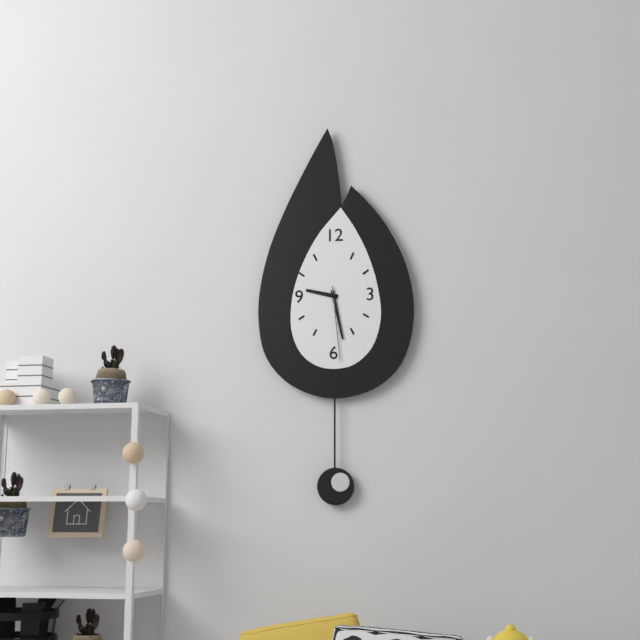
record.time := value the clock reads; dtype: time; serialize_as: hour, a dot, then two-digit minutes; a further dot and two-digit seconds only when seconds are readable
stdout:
9.28.29
